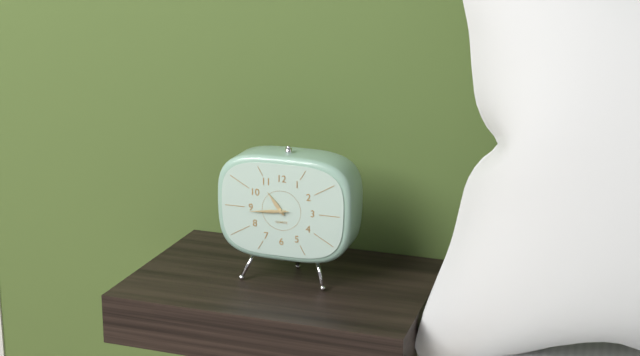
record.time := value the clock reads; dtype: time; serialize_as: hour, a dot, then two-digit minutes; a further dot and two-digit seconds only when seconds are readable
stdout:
10.44
